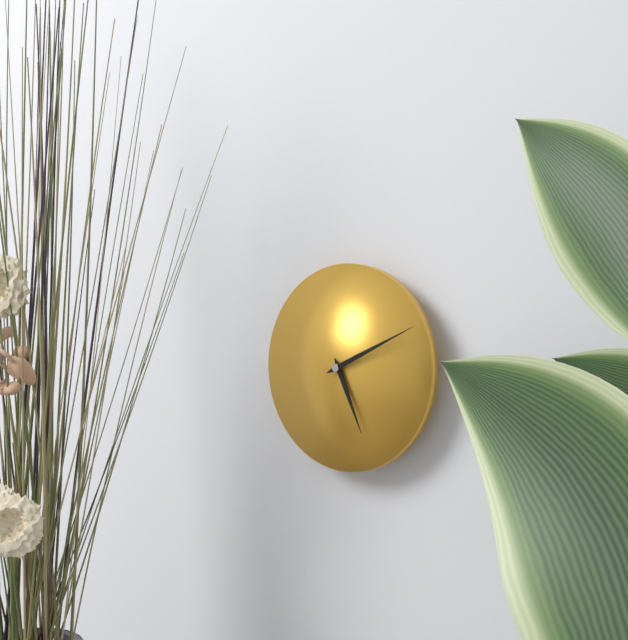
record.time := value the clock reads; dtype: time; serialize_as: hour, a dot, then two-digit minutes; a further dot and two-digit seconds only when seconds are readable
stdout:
5.11
